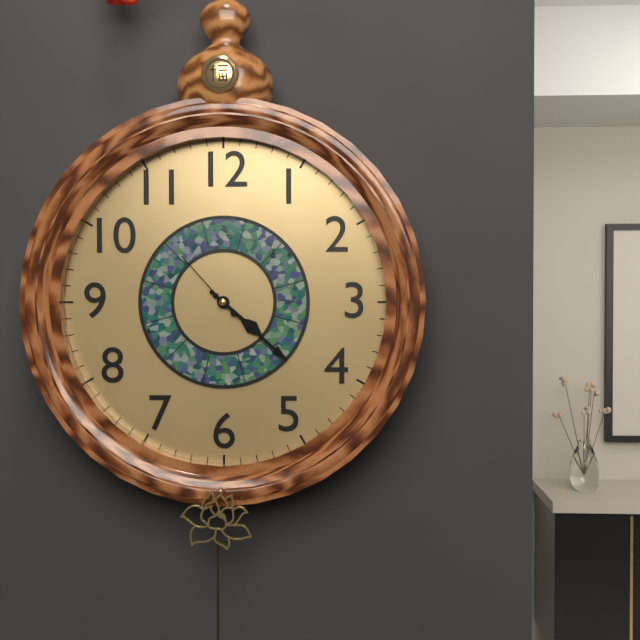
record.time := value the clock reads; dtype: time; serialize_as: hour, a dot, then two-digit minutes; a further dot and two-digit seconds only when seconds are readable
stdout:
4.22.53
